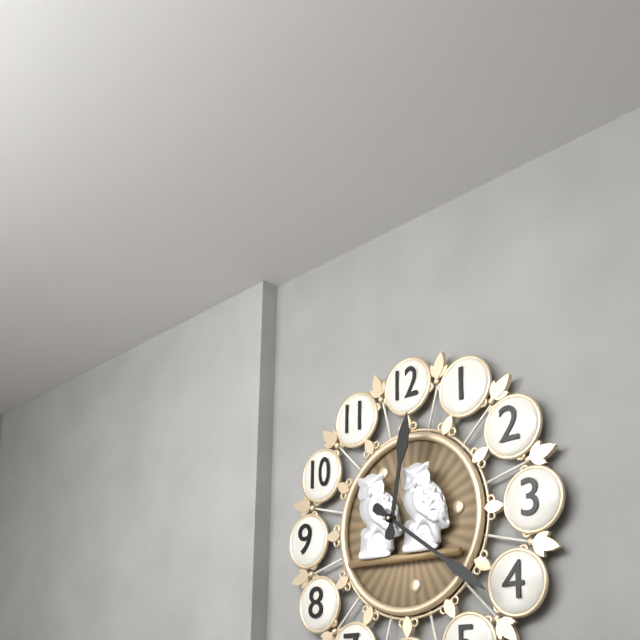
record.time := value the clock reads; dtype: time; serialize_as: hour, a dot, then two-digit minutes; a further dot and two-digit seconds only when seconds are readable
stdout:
12.21
